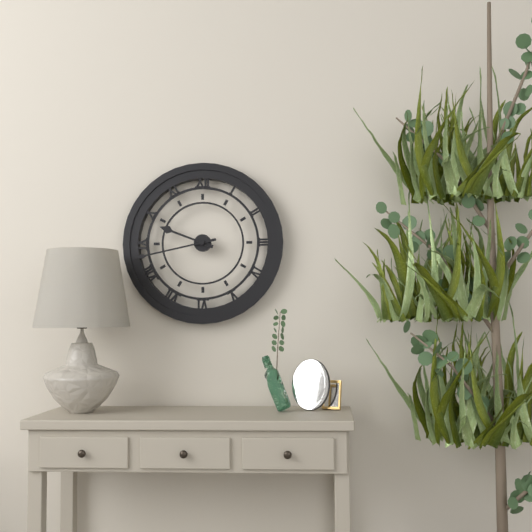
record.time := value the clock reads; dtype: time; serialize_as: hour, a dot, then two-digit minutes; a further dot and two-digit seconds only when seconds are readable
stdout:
9.43
